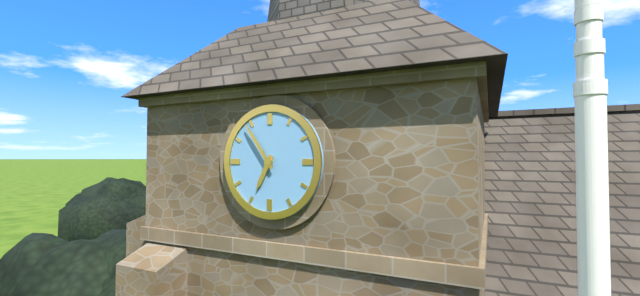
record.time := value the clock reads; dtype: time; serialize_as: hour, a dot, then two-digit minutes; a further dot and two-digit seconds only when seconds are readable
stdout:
6.54
